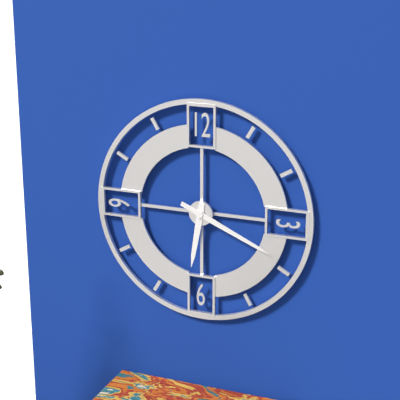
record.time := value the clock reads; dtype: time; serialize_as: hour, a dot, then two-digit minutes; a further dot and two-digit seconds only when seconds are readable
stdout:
6.19
